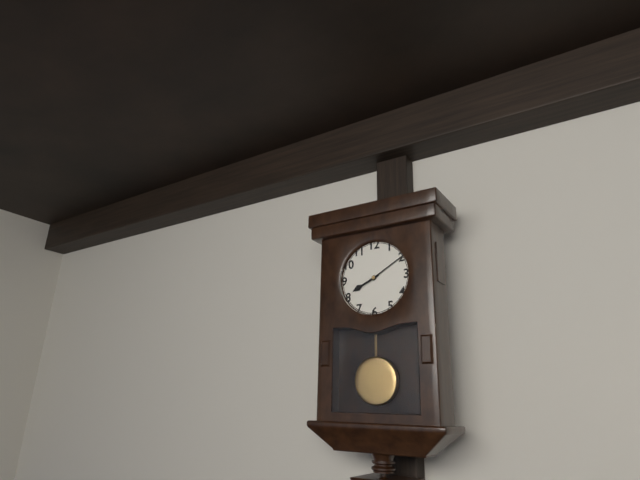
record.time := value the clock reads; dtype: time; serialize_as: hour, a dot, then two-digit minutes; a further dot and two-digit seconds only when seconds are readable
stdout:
8.10
